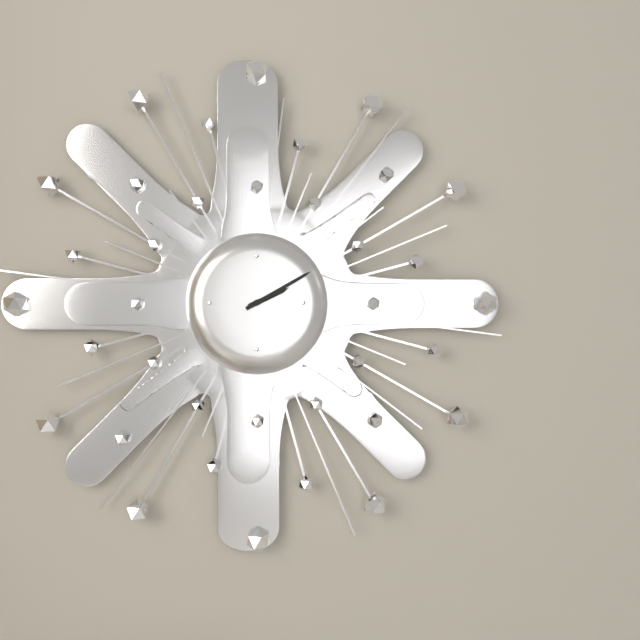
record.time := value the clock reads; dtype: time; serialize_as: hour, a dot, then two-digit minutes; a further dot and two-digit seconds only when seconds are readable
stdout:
2.10
